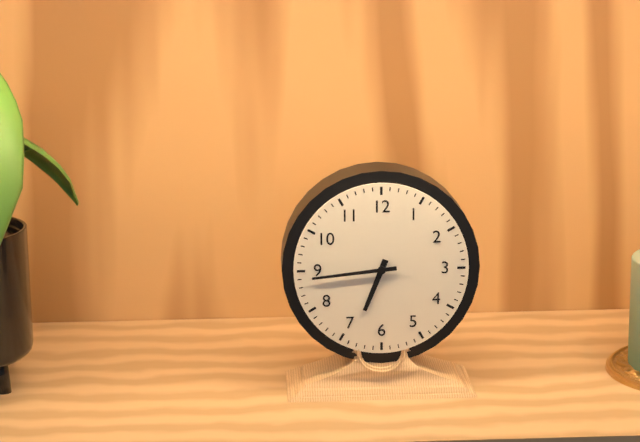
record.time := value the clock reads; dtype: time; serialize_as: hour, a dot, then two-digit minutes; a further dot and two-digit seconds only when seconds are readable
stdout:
6.44
